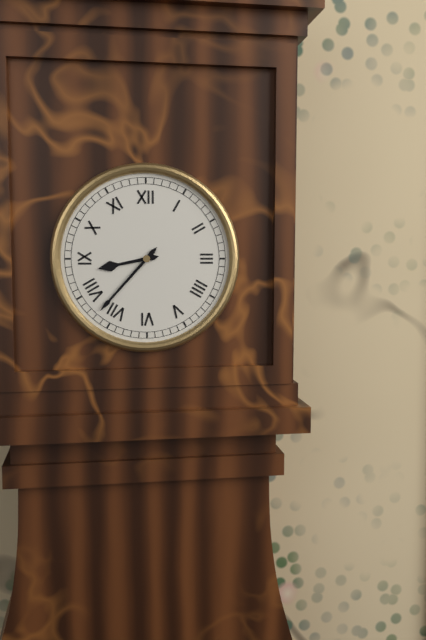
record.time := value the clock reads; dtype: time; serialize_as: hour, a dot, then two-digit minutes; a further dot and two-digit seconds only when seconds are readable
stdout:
8.37
